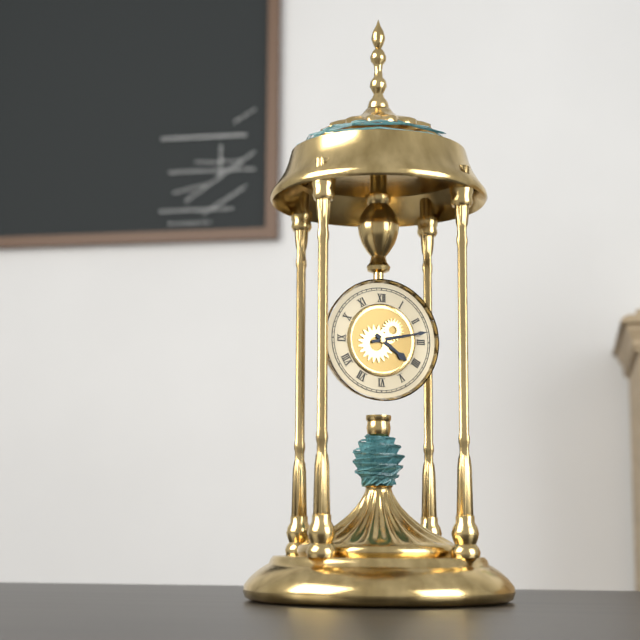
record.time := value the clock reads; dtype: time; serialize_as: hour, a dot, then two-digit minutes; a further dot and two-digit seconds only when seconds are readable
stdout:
4.13
